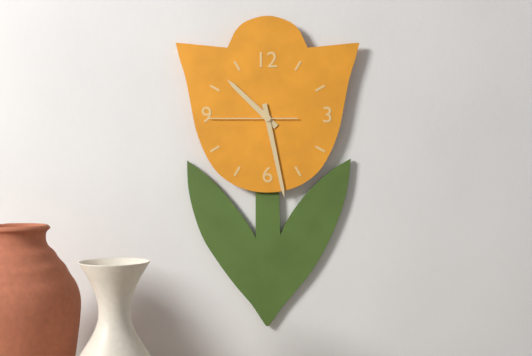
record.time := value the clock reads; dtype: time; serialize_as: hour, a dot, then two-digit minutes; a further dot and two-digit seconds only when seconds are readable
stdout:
10.28.45
